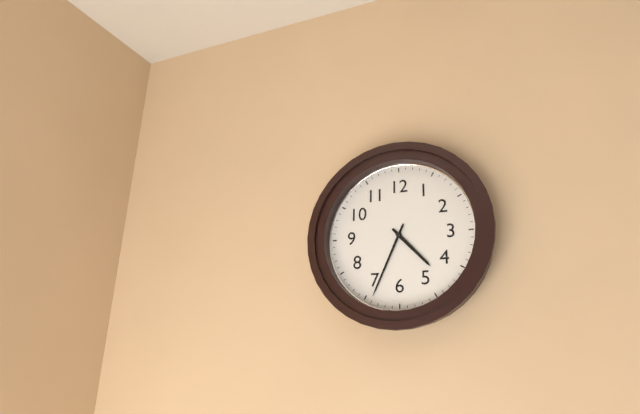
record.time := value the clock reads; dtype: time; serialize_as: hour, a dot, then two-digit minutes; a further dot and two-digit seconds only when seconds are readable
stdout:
4.34
